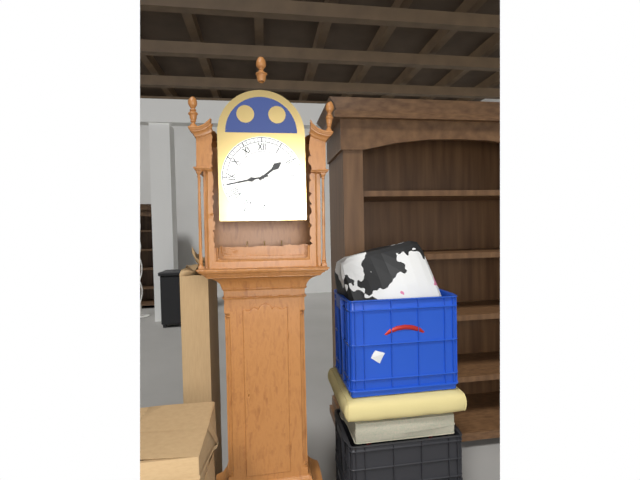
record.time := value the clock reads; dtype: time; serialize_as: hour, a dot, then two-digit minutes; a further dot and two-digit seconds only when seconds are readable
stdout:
1.43
